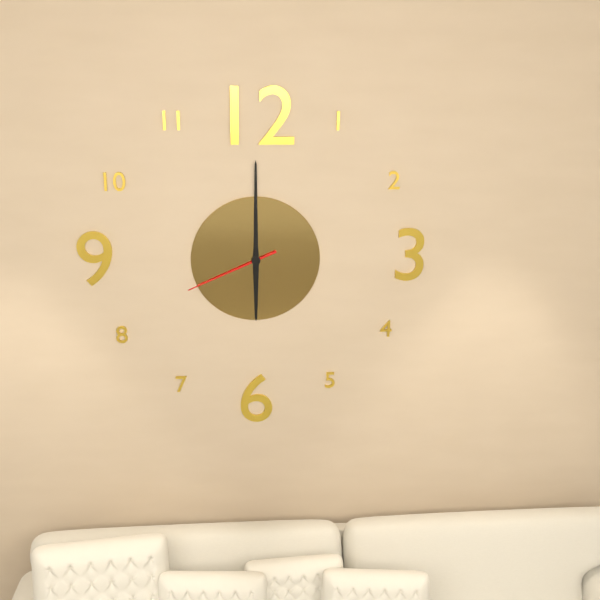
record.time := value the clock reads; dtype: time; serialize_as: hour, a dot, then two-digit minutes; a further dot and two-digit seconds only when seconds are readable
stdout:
6.00.41
